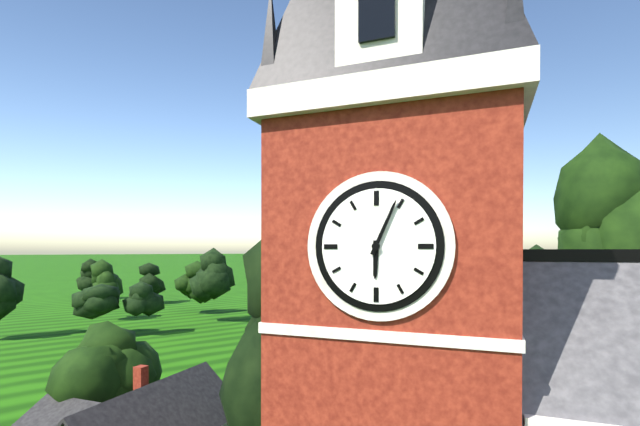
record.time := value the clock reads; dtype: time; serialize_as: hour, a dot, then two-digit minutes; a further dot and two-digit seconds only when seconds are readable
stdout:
6.04
